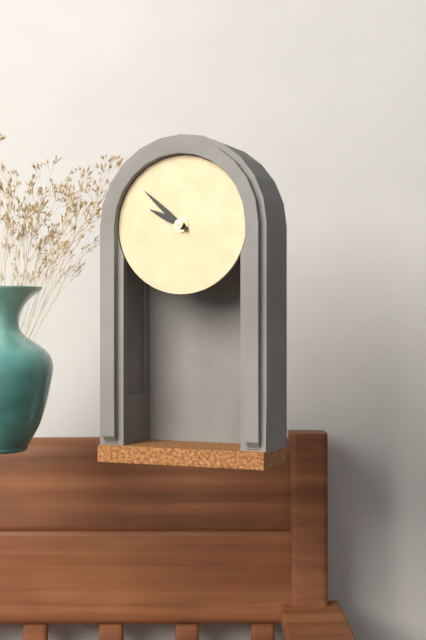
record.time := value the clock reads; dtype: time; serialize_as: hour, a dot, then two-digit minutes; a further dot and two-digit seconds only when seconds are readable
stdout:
9.52
